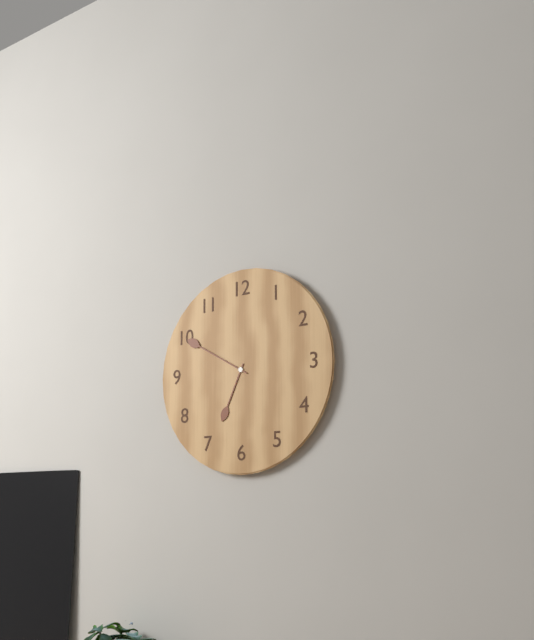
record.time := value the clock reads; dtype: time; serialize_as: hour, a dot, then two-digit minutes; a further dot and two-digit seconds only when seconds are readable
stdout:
6.50
